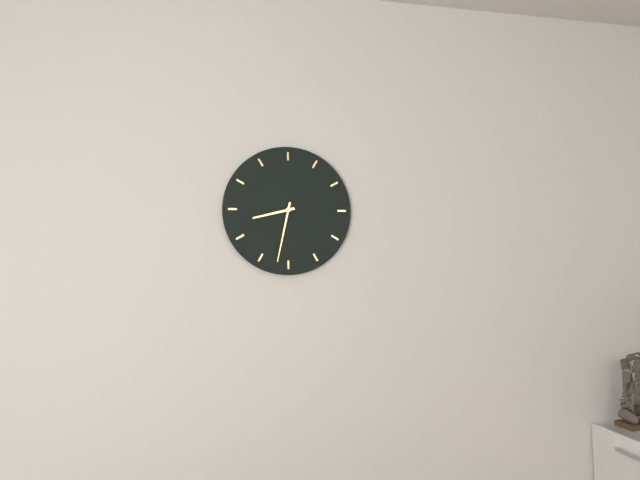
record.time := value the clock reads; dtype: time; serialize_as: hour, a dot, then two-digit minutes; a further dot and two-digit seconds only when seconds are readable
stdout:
8.32
